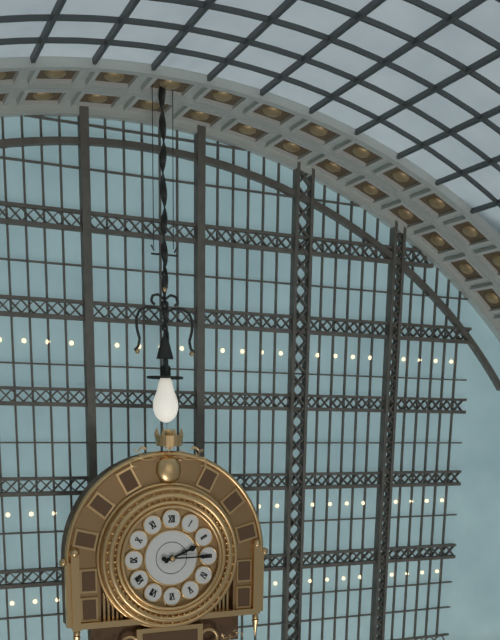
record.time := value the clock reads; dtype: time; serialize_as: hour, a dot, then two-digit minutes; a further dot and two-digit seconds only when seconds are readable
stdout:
2.15
